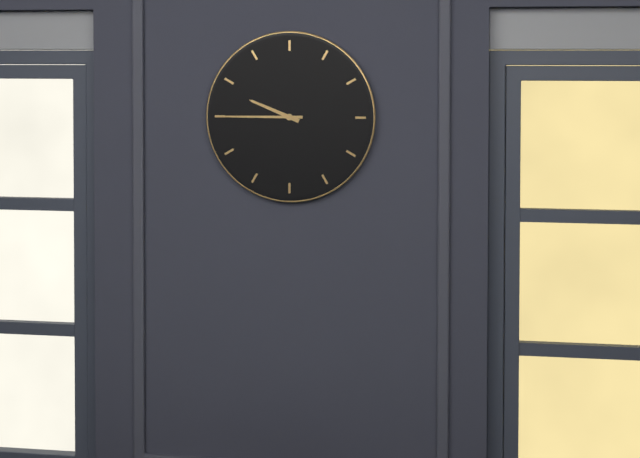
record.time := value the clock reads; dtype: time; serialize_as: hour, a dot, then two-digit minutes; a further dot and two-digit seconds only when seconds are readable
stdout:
9.45
